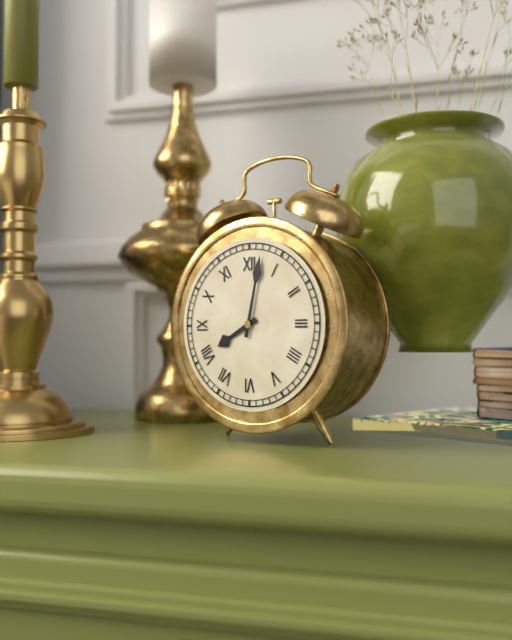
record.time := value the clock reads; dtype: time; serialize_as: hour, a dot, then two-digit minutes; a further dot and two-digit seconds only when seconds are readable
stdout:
8.02
